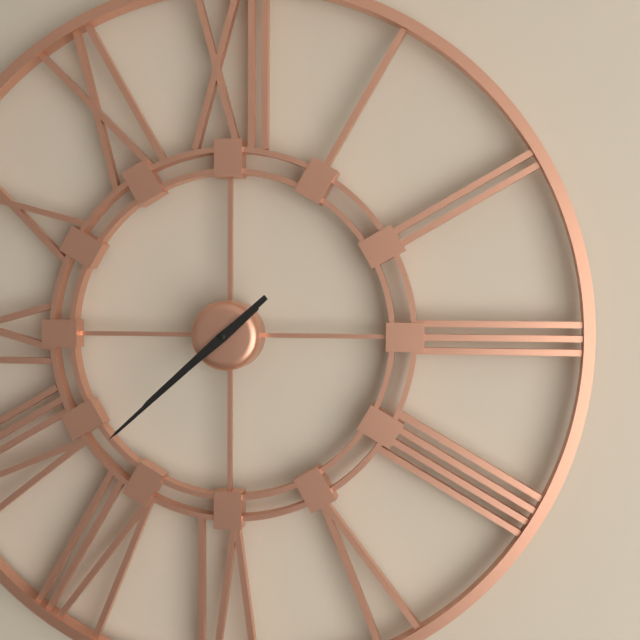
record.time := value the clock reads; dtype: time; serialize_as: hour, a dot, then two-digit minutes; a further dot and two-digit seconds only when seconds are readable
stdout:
7.38
